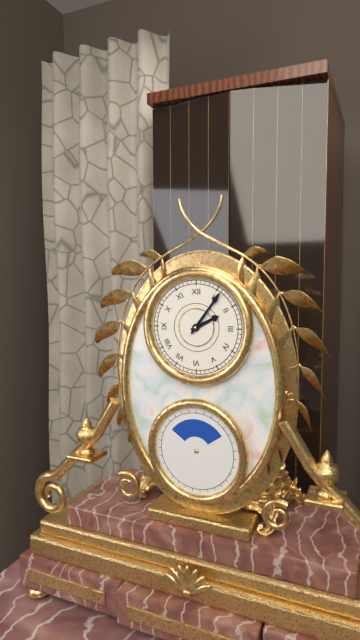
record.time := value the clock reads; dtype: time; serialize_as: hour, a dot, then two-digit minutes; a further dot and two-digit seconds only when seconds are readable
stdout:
2.06
